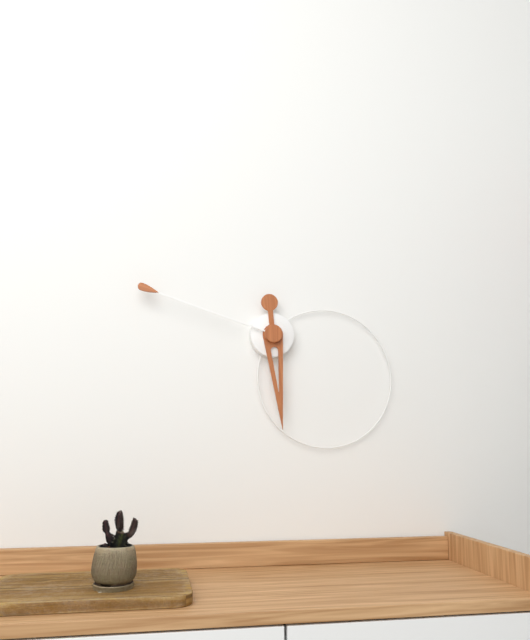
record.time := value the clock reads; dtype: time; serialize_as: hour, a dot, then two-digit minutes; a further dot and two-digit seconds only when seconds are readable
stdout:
5.48
